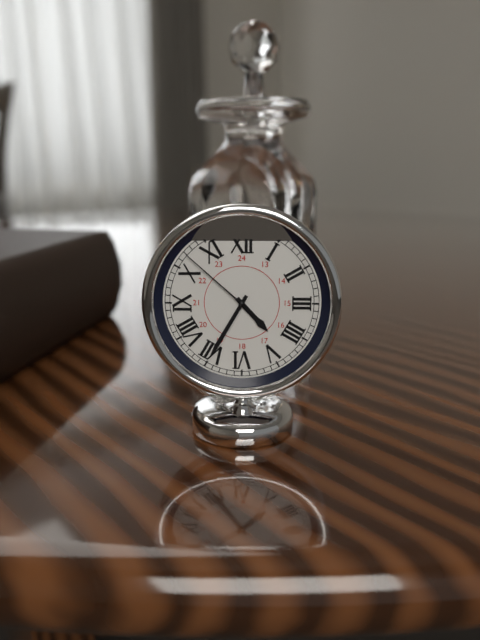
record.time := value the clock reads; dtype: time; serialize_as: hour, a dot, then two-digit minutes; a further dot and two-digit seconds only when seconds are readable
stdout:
4.35.52
